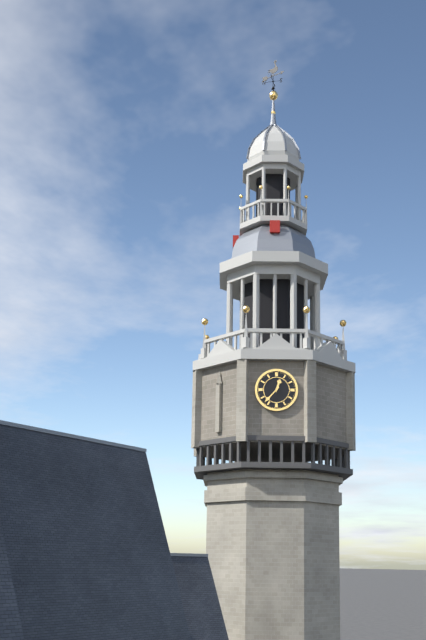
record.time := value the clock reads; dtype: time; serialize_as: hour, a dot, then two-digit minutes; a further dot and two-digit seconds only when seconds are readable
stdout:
12.37
